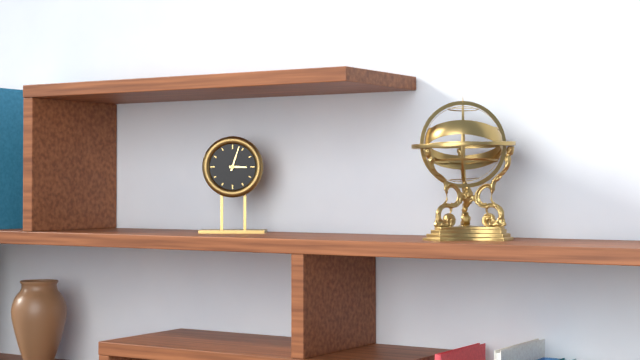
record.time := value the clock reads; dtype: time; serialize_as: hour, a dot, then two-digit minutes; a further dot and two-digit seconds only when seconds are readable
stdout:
3.03
